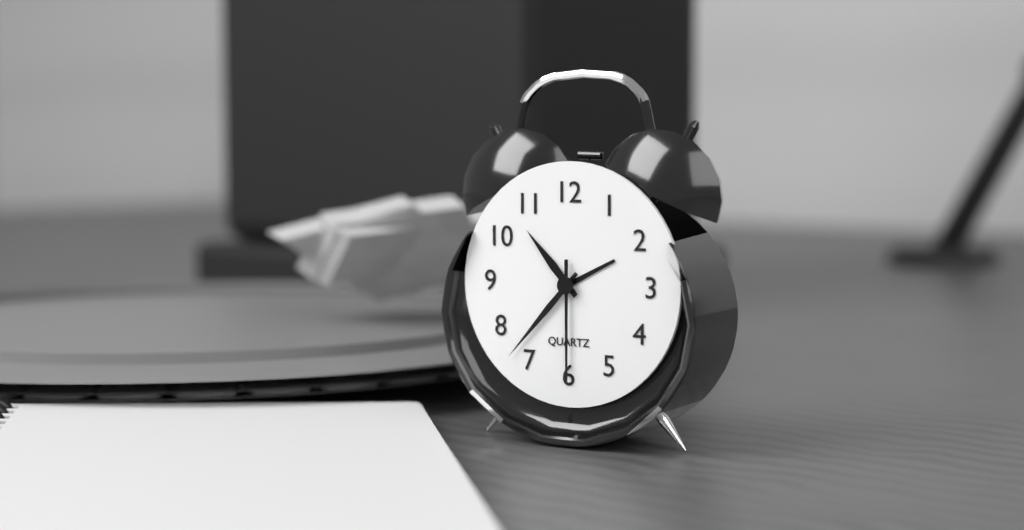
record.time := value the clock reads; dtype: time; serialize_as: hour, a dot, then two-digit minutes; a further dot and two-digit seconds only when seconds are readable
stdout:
10.37.30
